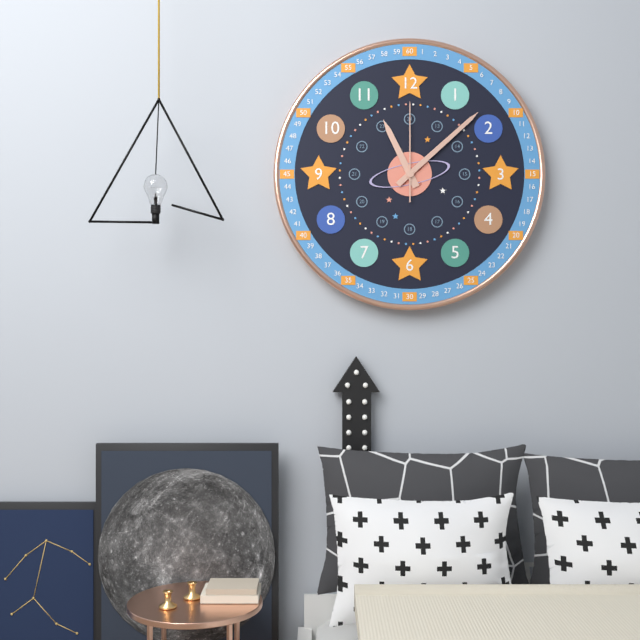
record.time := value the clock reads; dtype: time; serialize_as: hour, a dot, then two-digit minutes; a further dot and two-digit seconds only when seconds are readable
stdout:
11.08.00
